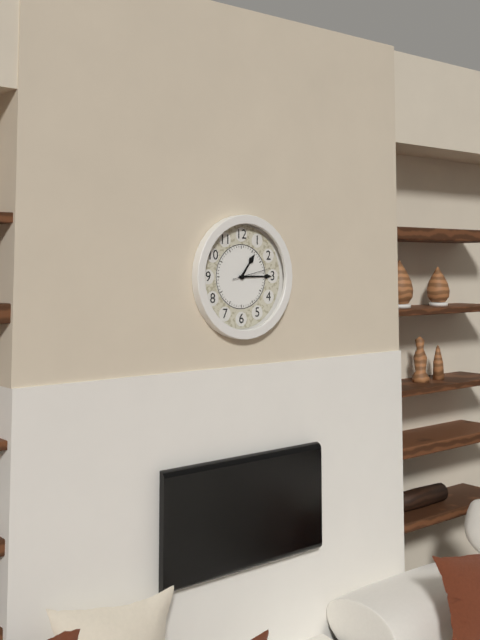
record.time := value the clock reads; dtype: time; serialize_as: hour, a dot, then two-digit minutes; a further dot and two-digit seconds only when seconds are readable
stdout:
1.15
